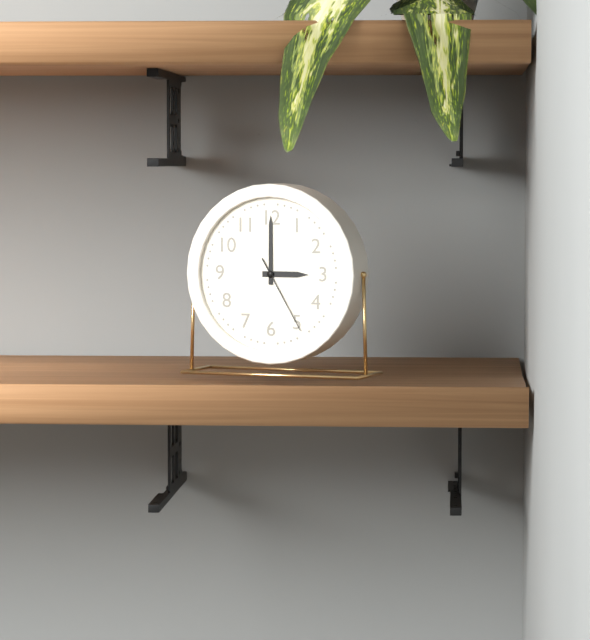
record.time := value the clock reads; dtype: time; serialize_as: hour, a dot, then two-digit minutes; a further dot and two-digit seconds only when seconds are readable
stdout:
3.00.25
